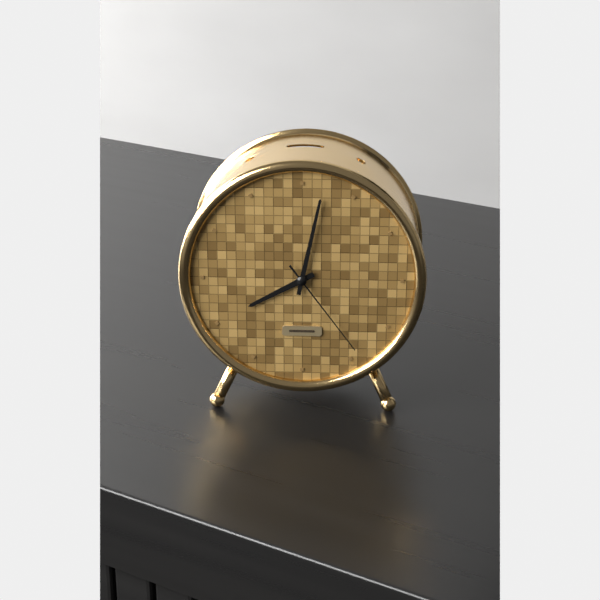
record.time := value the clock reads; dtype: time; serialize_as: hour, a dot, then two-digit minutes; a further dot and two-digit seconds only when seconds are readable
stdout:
8.02.24
